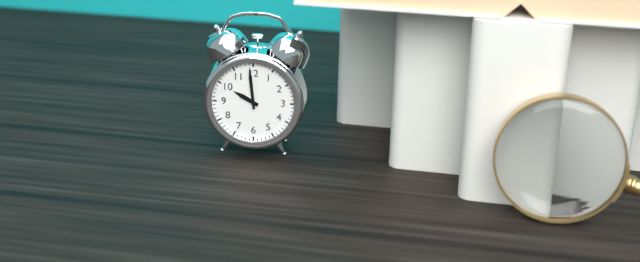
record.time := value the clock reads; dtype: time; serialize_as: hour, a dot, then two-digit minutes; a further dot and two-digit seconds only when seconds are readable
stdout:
9.59
